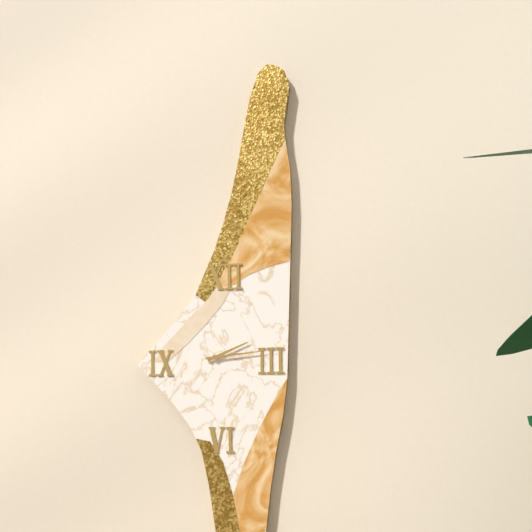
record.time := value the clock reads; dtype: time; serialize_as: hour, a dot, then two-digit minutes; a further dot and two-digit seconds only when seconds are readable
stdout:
2.14
